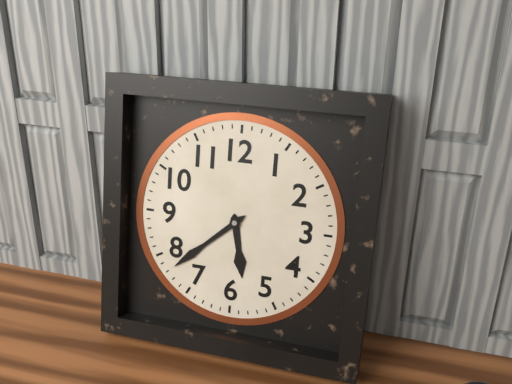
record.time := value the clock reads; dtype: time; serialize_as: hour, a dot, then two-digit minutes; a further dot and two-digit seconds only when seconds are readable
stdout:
5.38
